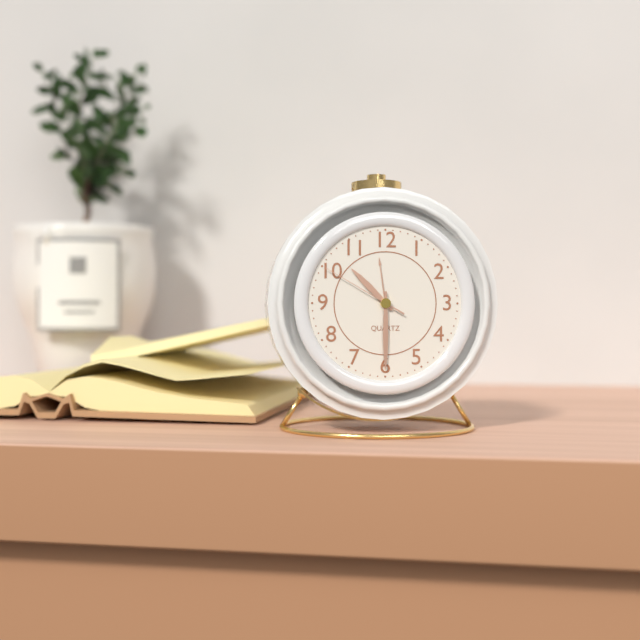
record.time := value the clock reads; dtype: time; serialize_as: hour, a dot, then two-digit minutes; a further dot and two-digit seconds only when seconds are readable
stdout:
10.30.50
